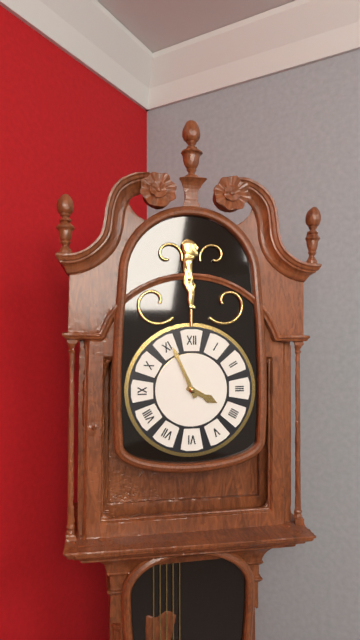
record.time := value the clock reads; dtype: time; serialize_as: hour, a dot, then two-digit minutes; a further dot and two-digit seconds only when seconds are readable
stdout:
3.56
